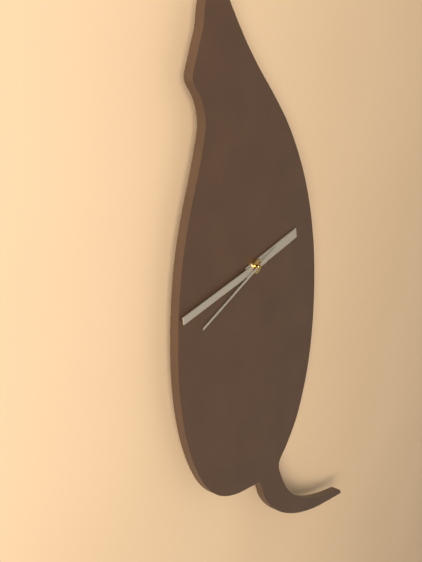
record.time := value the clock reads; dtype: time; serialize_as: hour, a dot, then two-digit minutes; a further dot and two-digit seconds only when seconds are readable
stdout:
2.44.42
